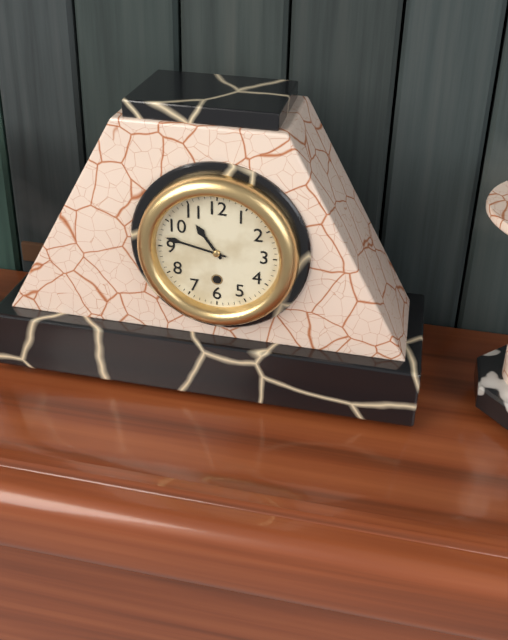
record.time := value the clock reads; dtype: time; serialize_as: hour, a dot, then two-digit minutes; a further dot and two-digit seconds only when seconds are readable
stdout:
10.47
